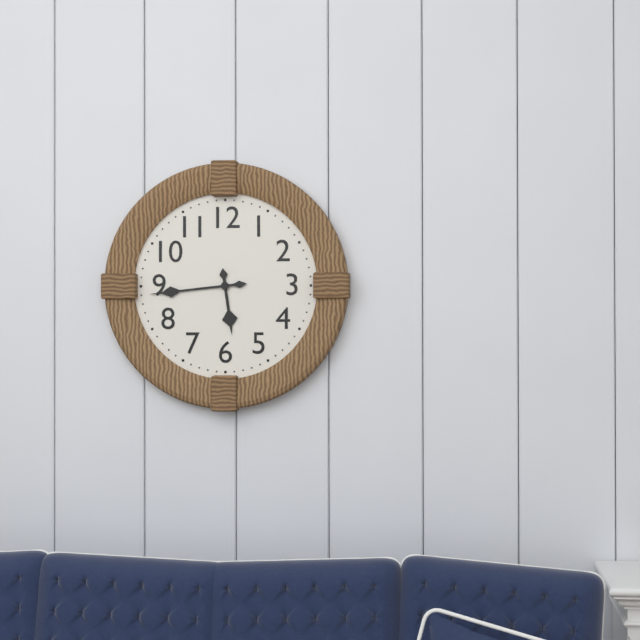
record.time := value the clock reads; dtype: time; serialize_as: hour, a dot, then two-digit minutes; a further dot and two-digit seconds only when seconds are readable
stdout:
5.44
